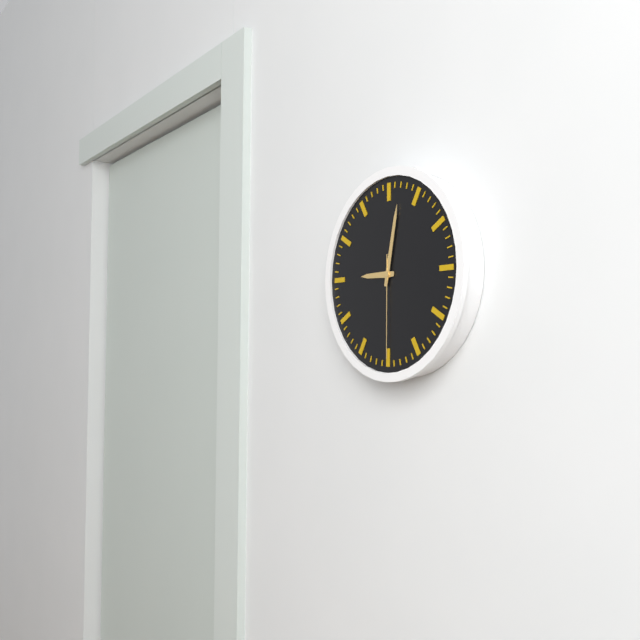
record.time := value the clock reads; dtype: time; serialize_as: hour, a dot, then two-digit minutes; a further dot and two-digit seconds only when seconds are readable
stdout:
9.02.30
